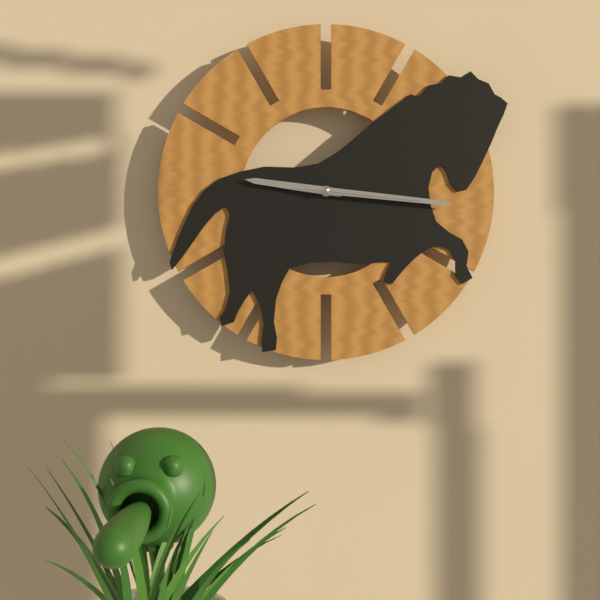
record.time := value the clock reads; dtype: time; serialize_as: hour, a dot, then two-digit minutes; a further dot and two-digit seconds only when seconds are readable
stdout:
9.16.16
